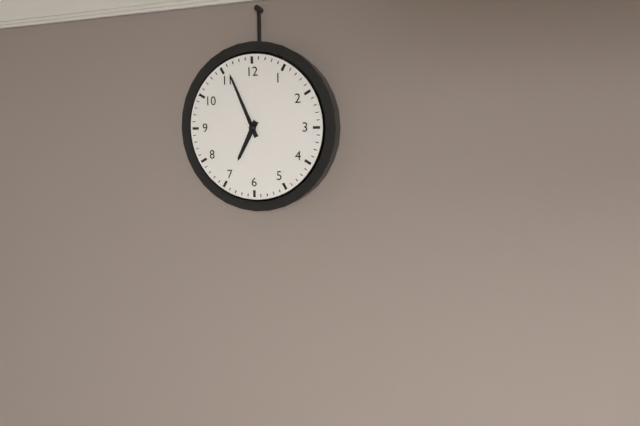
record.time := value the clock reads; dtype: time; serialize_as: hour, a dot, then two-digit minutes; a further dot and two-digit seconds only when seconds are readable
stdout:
6.56
